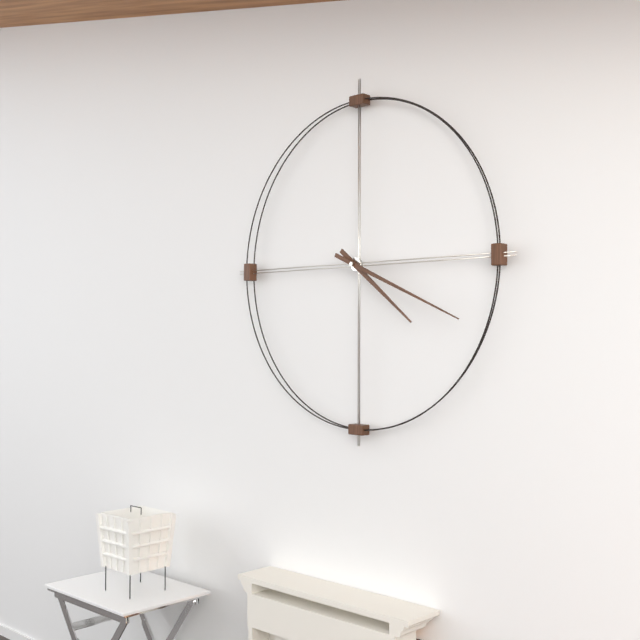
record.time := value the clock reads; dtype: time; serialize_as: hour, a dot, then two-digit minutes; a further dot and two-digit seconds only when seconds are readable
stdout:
4.19
